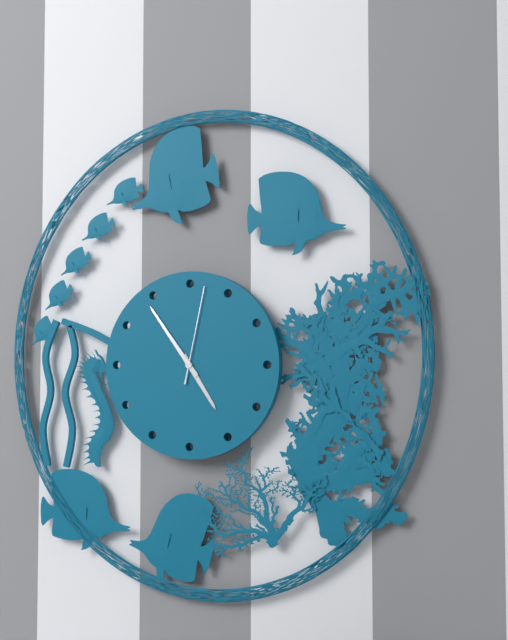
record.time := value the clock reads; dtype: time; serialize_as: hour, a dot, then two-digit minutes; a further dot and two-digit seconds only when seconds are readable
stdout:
4.54.02
